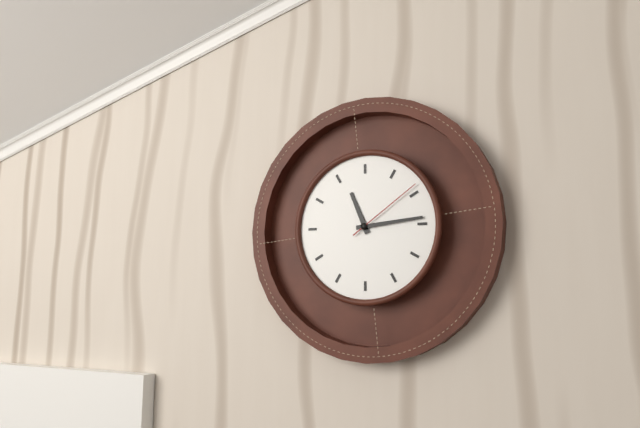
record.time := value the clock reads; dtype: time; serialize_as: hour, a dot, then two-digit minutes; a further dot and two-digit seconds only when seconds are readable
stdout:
11.14.09
